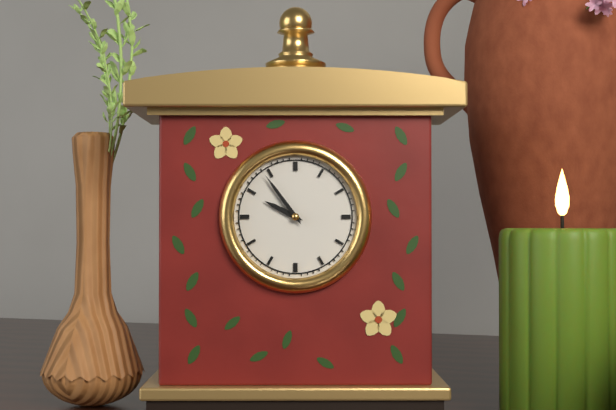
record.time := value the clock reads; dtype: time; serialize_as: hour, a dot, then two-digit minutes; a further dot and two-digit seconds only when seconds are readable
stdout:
9.54
